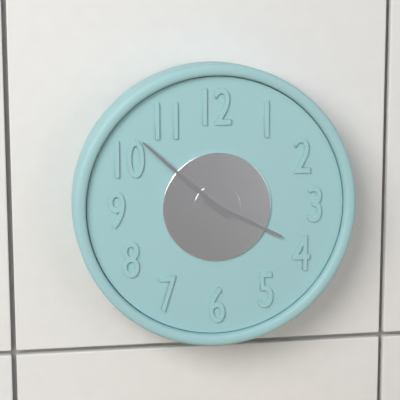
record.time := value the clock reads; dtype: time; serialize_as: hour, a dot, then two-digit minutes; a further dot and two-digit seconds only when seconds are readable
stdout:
3.52
